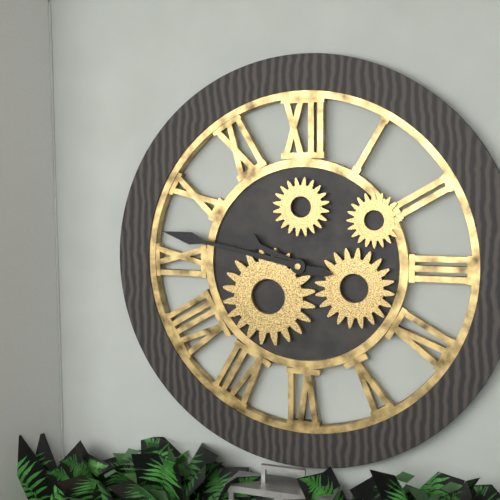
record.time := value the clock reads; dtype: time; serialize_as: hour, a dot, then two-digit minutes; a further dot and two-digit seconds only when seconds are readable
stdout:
9.47
